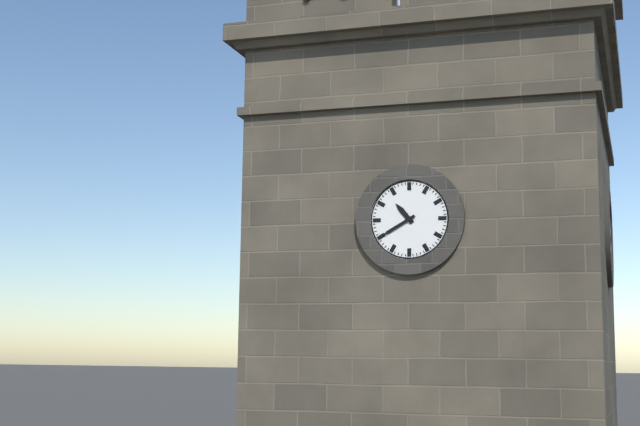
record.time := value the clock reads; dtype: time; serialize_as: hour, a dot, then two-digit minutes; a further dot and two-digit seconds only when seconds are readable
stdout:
10.40
